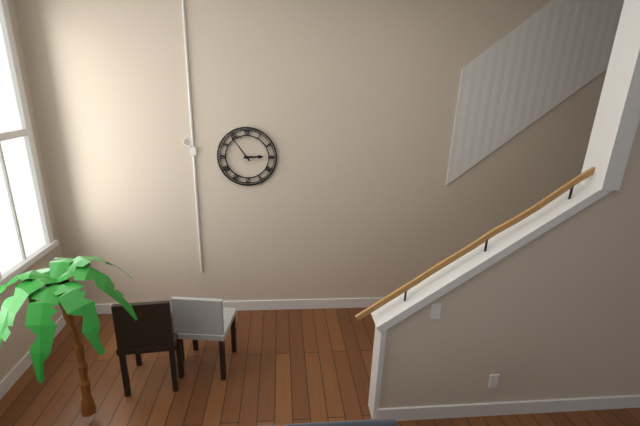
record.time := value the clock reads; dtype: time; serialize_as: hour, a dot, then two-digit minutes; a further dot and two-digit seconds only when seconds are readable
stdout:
2.54
